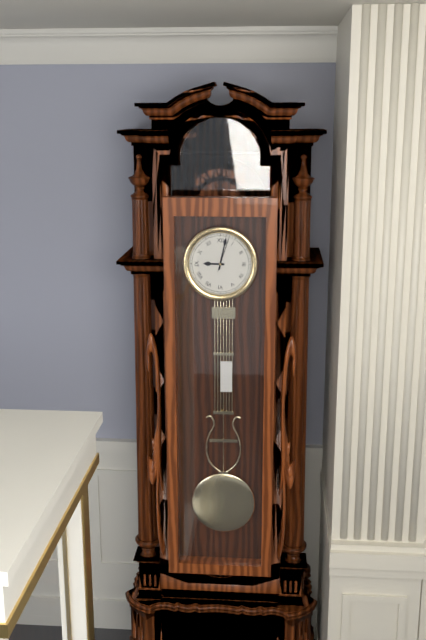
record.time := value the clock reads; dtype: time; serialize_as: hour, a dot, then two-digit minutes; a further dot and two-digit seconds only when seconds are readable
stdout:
9.02
